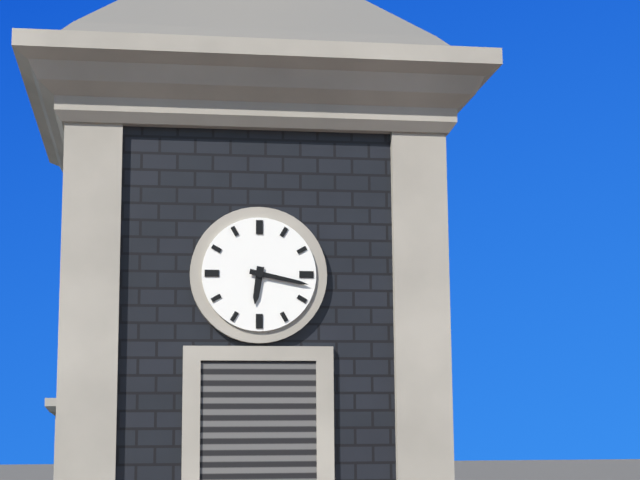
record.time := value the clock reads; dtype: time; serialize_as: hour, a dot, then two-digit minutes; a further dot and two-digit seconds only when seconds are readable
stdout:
6.17
